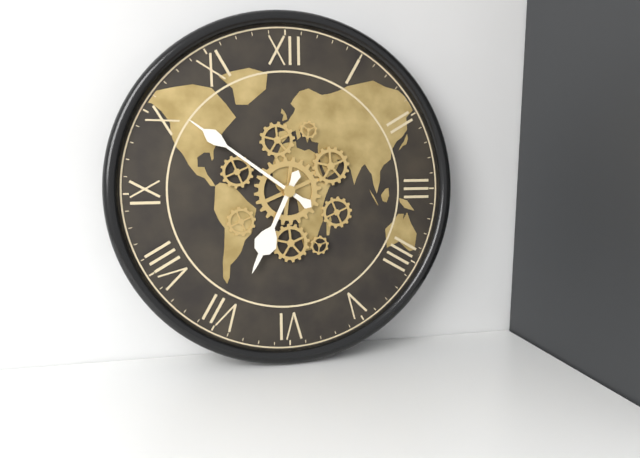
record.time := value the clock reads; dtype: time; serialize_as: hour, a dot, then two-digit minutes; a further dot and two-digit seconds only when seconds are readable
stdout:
6.51
